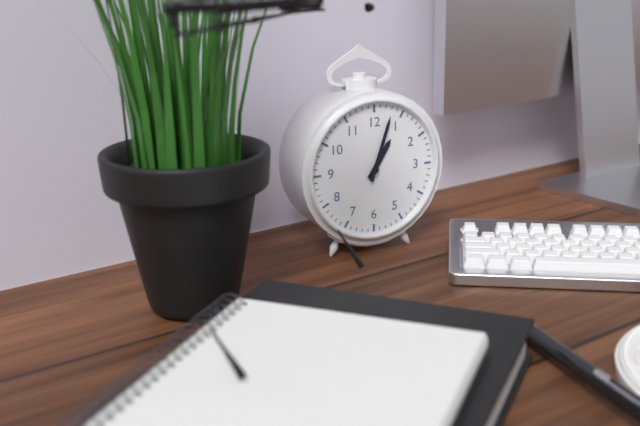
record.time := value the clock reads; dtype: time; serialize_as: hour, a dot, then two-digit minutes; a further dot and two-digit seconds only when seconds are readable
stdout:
1.03
